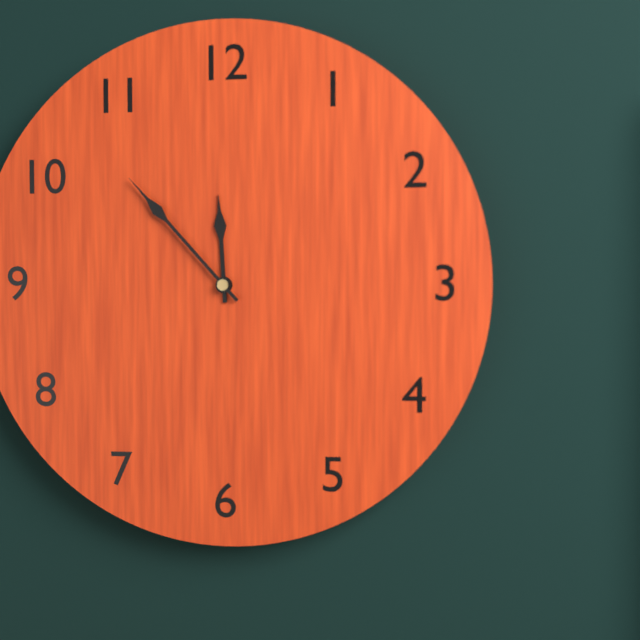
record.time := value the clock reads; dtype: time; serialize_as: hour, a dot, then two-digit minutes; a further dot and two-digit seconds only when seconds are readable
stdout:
11.53
